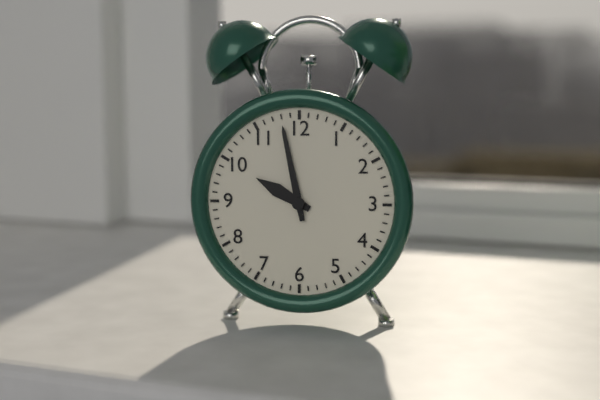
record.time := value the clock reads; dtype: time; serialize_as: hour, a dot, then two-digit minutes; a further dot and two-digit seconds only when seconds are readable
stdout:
9.58
